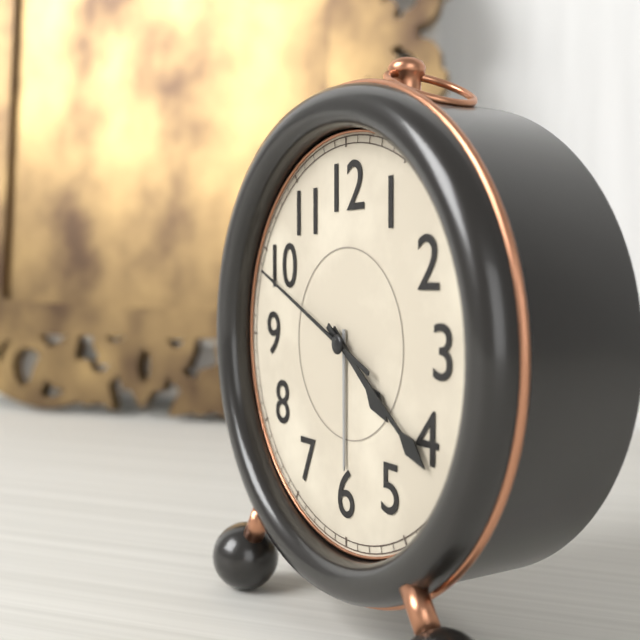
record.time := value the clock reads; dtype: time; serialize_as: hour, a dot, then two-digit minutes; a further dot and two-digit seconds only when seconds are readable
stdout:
4.21.49
